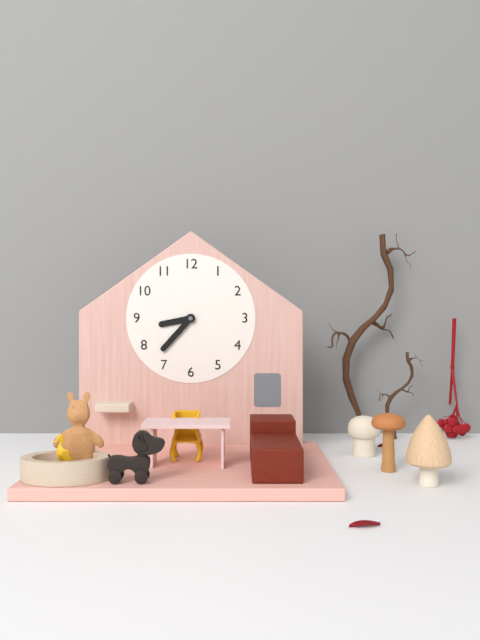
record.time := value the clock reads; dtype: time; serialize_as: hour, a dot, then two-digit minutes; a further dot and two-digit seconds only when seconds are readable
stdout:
8.37
